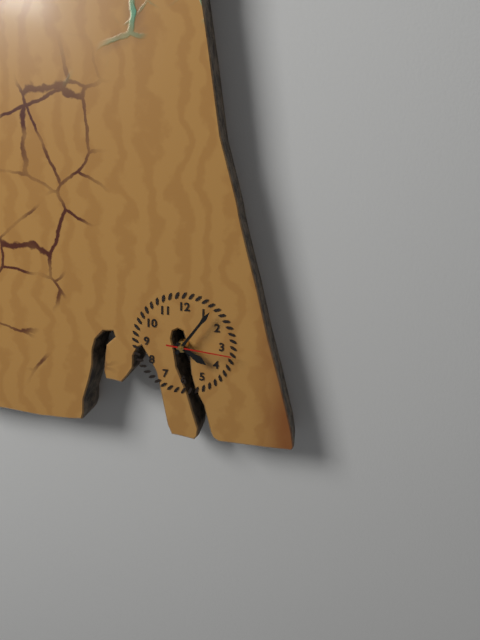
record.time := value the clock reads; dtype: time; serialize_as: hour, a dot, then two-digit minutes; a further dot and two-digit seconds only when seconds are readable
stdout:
4.06.16
